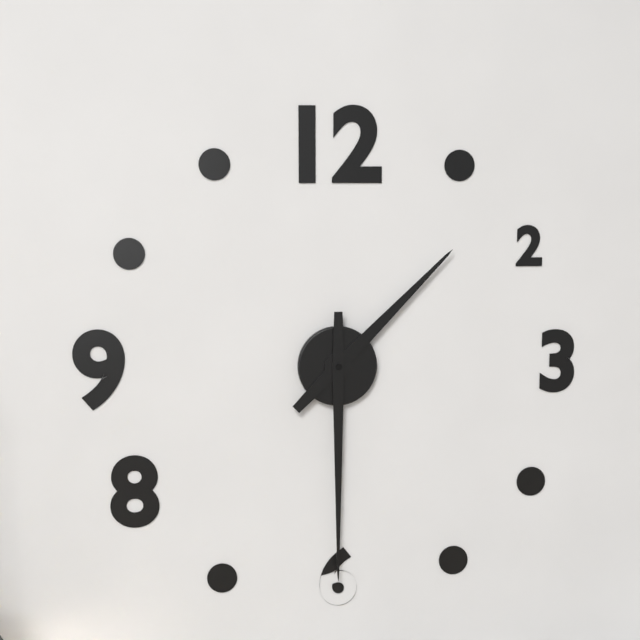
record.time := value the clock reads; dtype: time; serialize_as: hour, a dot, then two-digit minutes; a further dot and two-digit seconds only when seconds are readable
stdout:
1.30
